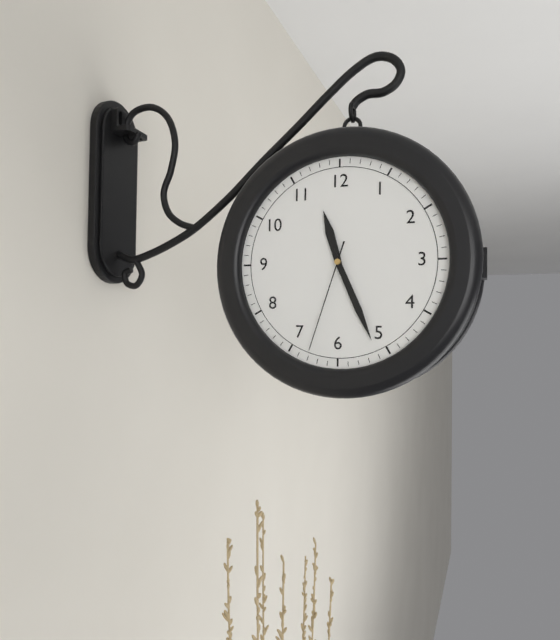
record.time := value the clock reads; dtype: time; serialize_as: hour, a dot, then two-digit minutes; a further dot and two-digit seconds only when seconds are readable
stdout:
11.26.33
